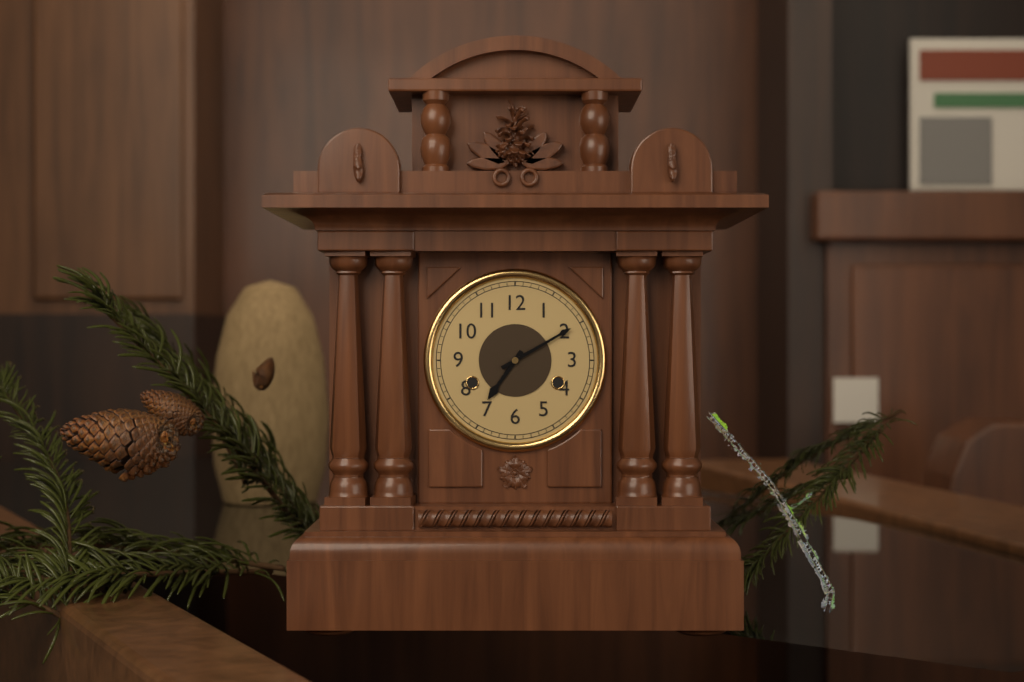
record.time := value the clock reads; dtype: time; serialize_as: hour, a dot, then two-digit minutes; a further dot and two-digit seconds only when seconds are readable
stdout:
7.10
